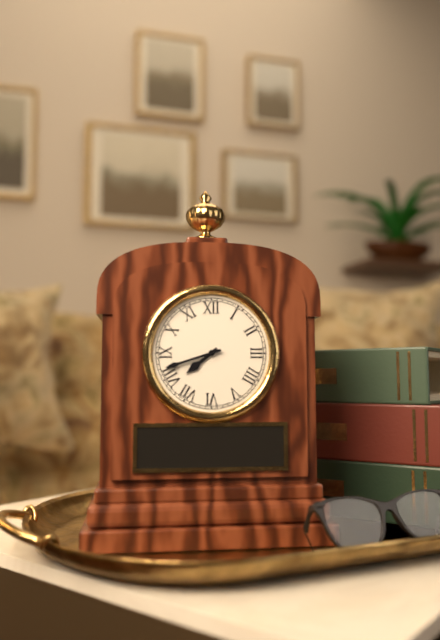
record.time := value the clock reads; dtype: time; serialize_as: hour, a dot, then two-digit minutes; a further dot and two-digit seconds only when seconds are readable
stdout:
7.42
